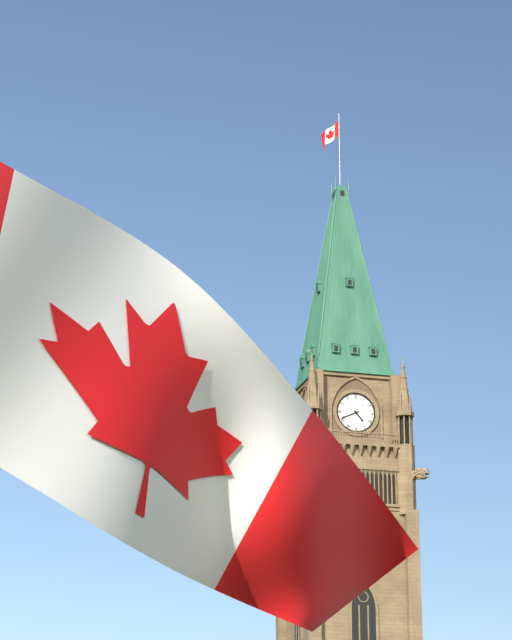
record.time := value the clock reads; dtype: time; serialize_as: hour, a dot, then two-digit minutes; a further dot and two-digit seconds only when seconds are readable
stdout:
4.41
